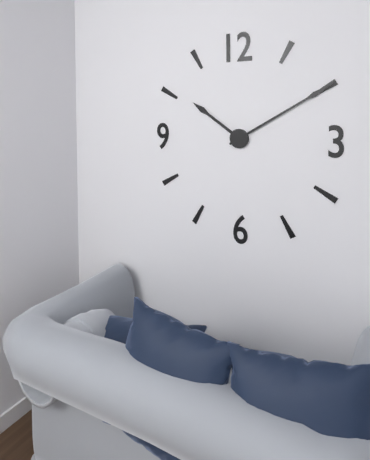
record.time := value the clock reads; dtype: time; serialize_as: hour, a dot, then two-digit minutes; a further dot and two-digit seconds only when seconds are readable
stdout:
10.10
